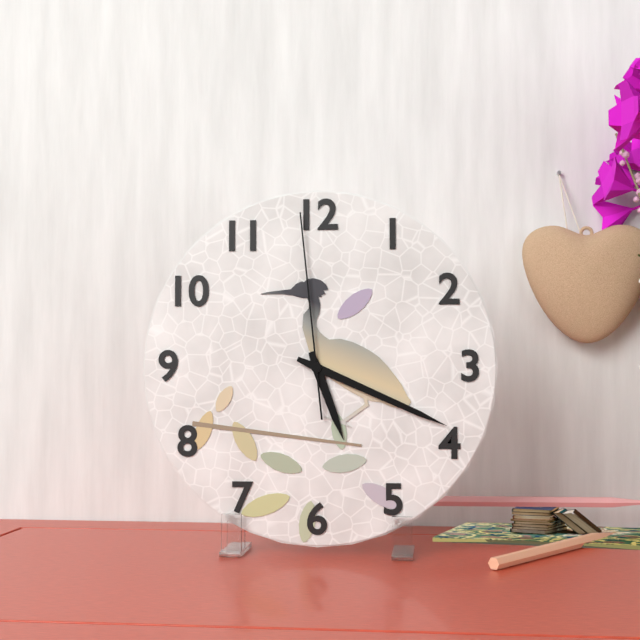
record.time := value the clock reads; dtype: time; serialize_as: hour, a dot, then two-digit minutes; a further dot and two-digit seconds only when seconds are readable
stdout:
5.19.59
